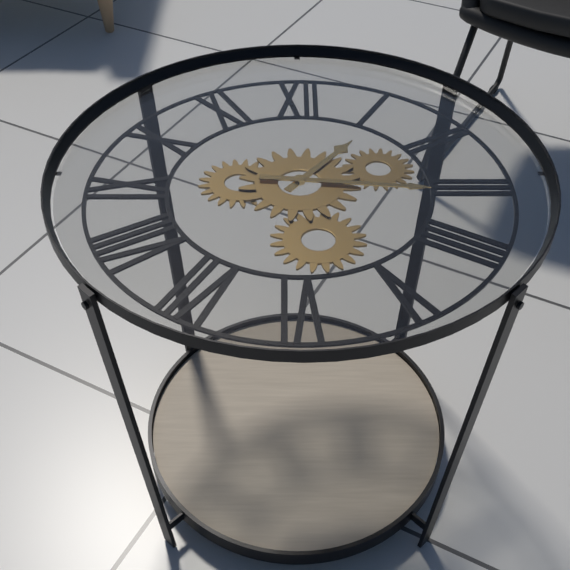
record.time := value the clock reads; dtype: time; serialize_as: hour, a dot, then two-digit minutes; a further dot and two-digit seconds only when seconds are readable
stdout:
1.16
